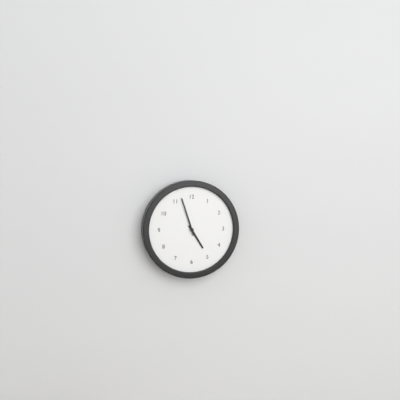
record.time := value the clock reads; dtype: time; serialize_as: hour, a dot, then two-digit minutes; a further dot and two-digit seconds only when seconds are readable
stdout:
4.57
